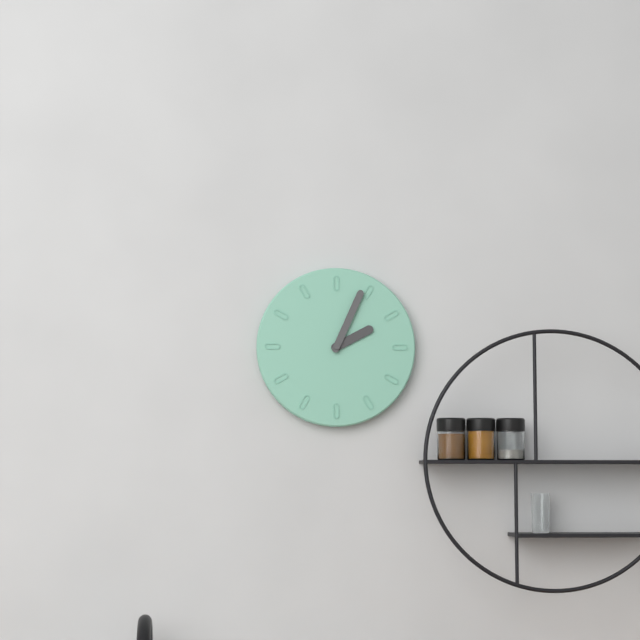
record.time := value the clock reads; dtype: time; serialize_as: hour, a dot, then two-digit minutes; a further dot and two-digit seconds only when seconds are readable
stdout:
2.04
